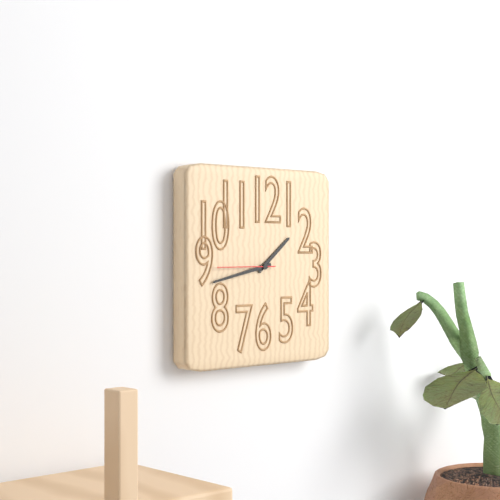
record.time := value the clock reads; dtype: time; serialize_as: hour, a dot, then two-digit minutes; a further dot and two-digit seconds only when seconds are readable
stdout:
1.43.45
